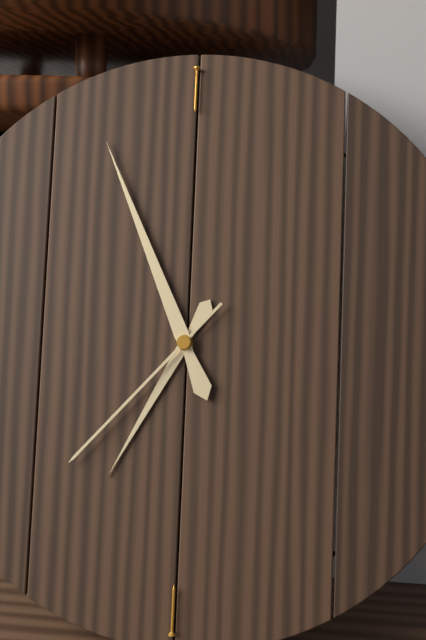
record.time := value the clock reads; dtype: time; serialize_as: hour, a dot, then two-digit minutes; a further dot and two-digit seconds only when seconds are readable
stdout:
6.56.37
